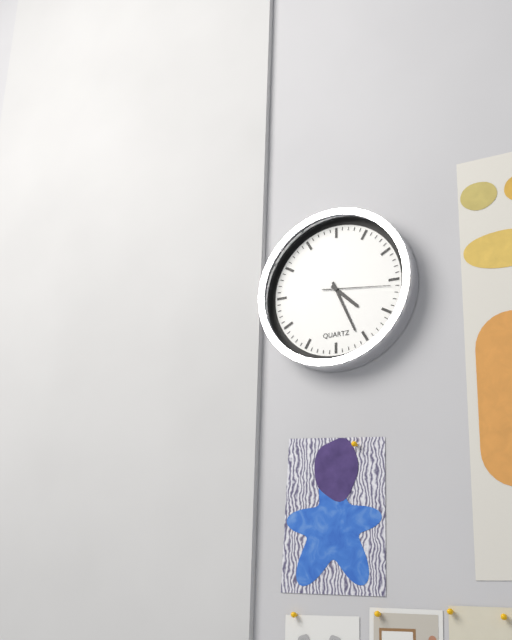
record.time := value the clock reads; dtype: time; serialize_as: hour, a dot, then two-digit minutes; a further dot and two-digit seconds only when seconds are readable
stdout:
4.26.16
